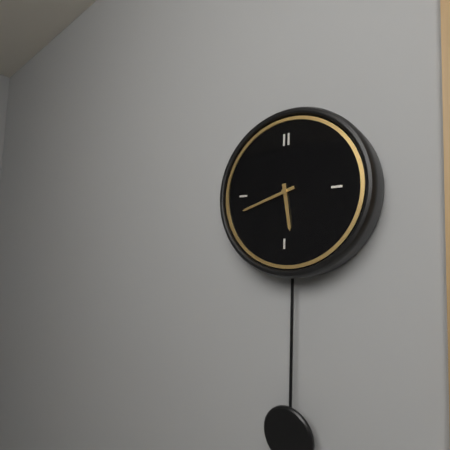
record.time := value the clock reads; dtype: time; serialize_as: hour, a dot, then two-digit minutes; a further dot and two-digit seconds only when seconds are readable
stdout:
5.42
